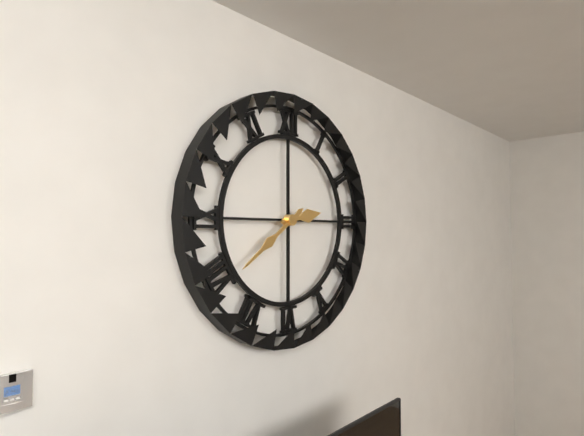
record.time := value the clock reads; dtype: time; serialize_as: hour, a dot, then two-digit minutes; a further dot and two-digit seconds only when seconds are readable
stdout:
2.39
